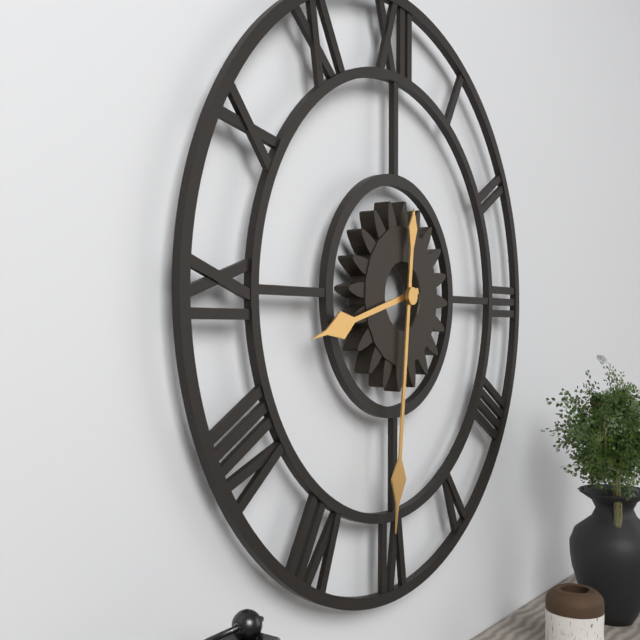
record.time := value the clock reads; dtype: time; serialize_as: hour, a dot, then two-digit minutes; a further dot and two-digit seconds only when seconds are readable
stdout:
8.31
